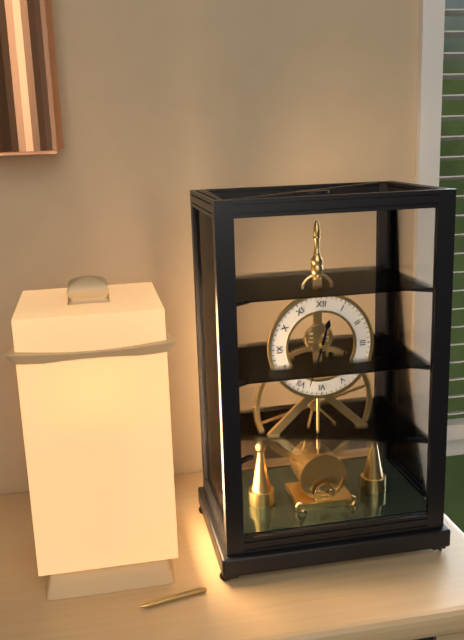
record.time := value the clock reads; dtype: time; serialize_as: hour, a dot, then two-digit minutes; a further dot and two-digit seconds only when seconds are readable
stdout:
12.33
